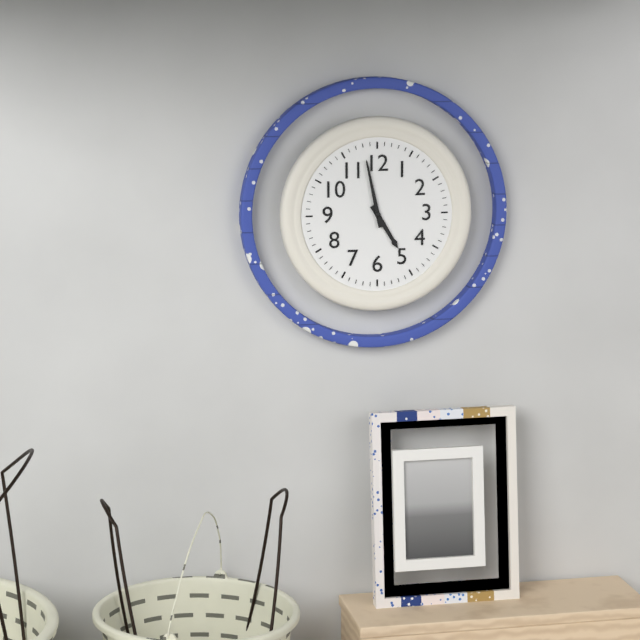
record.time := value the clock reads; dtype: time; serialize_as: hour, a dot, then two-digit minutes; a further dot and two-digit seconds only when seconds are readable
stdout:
4.58
